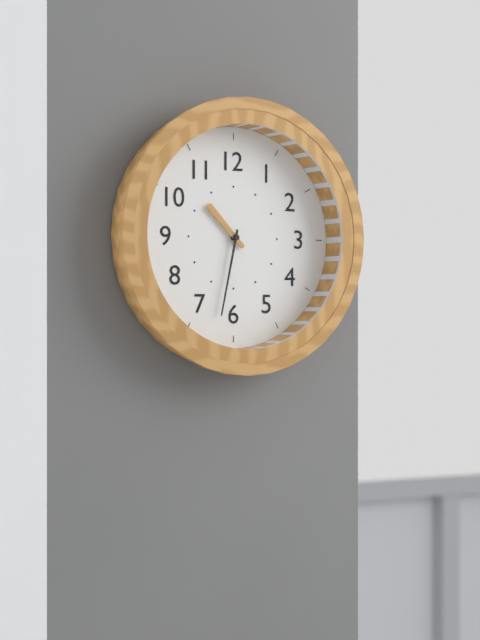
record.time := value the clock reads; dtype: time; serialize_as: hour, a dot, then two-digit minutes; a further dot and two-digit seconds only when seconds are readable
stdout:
10.32
